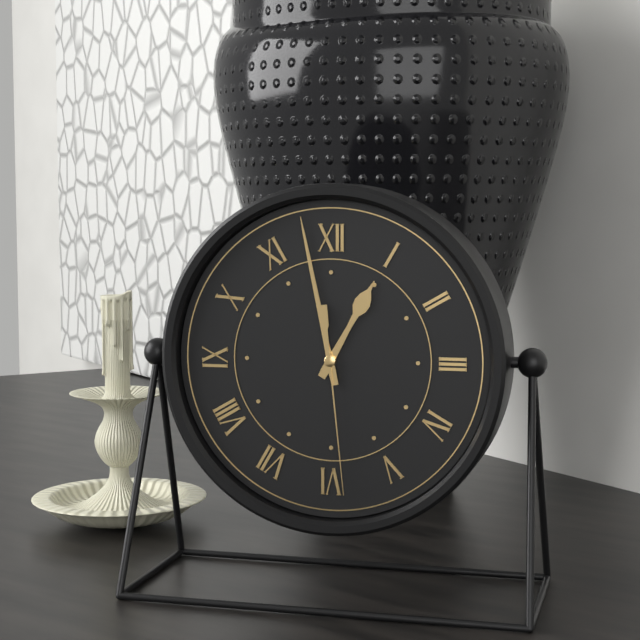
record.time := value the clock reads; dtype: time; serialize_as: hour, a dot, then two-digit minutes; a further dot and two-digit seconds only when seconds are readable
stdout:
12.58.29
